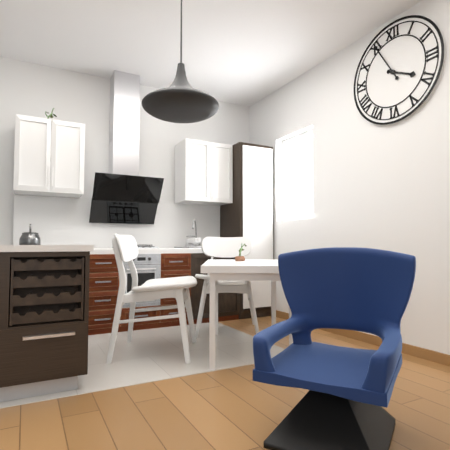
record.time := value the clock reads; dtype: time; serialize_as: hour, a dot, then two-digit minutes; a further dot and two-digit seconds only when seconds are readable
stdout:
3.55
